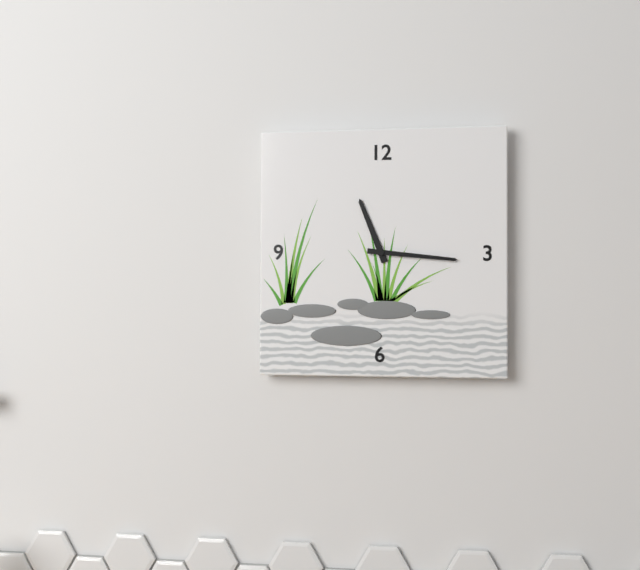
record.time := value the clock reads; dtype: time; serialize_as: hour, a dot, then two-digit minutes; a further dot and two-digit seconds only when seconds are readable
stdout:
11.16
